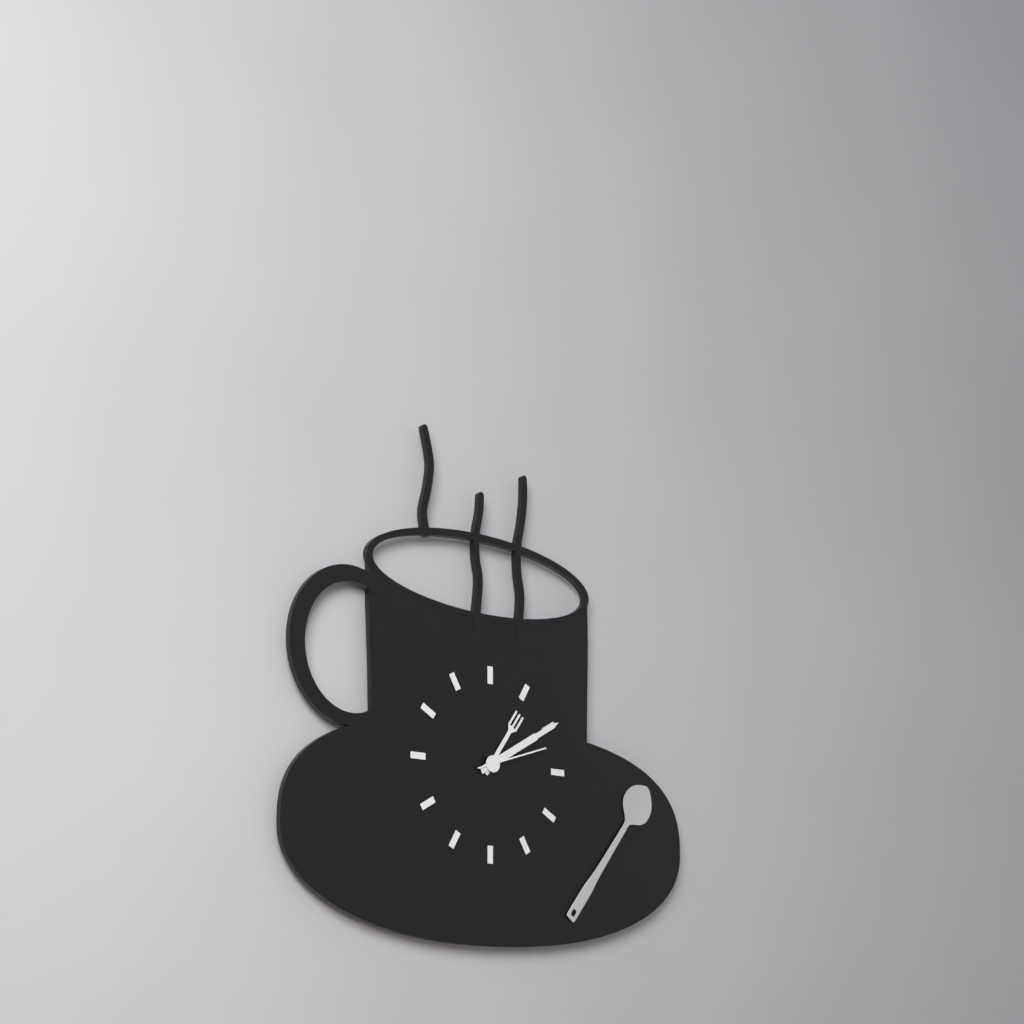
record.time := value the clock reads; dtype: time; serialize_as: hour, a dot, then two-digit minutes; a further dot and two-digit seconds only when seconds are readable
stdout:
1.10.12
